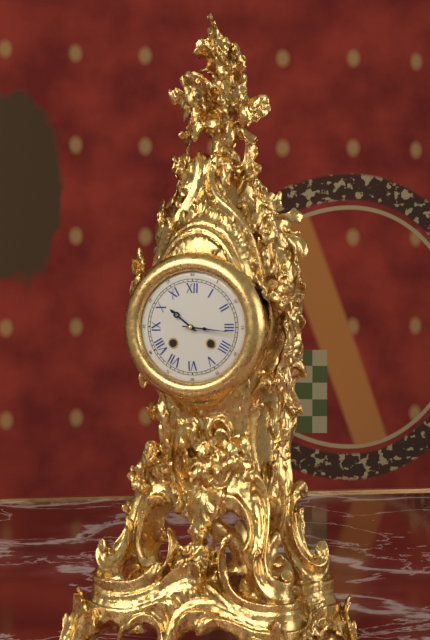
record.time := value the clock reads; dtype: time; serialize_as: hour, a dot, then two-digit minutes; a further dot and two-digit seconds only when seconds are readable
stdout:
10.16
